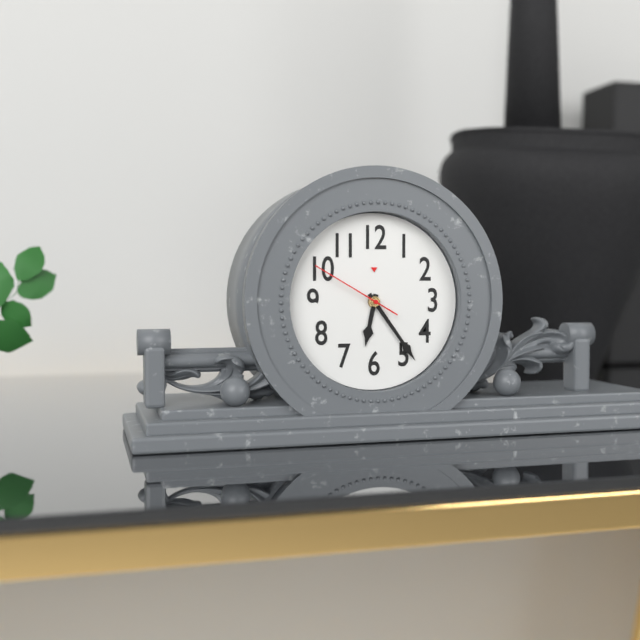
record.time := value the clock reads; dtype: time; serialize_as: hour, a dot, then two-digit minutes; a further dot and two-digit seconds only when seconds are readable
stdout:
6.24.50
